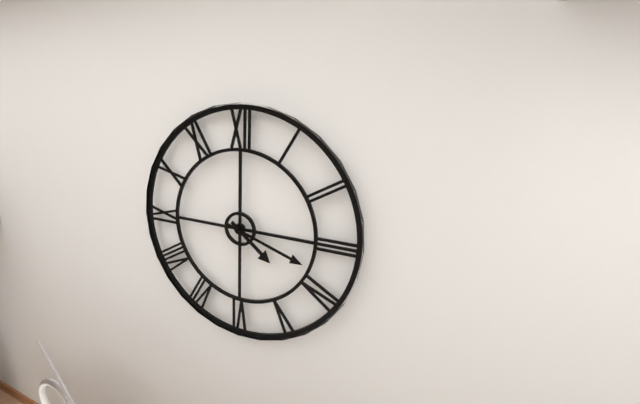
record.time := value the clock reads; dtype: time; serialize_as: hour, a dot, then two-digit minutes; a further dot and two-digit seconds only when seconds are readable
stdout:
4.18
